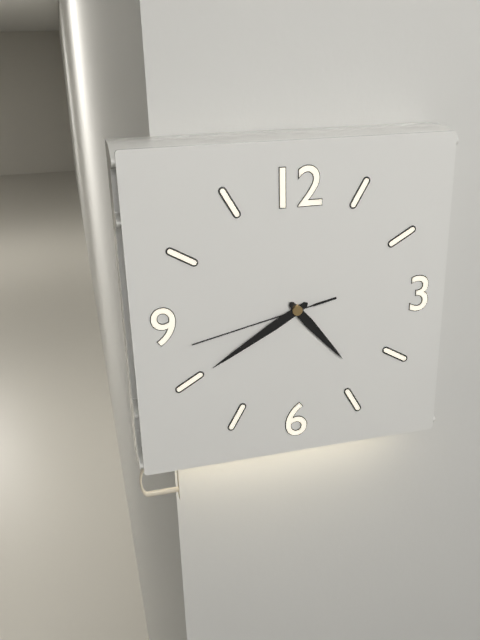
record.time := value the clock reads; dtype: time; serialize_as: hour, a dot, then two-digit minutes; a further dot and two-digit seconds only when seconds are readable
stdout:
4.40.43
